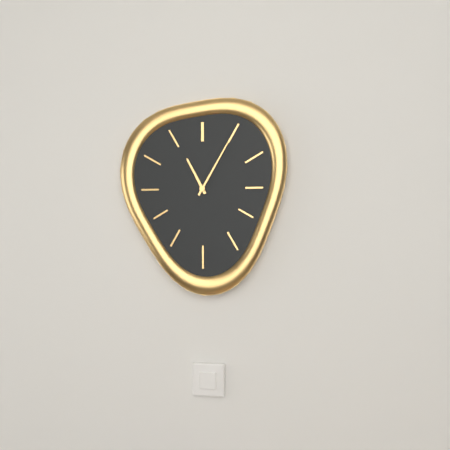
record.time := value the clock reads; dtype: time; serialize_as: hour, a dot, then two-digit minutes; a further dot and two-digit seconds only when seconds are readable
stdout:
11.05
